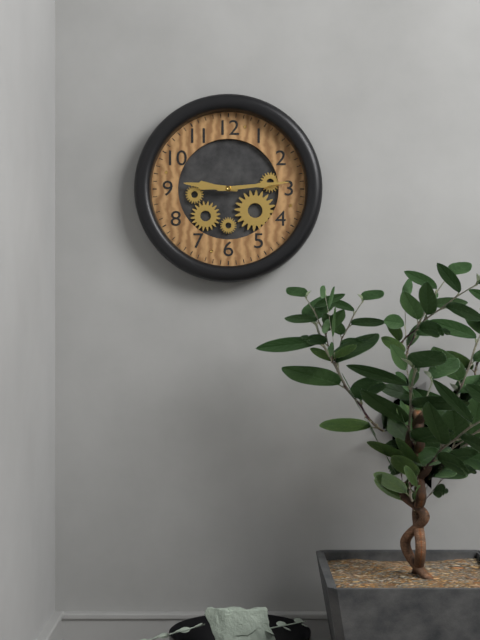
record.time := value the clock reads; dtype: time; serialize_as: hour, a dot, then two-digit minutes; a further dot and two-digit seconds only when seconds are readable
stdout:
9.14
